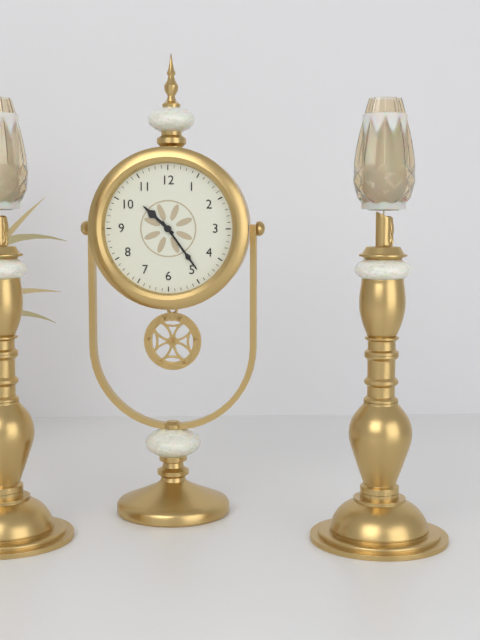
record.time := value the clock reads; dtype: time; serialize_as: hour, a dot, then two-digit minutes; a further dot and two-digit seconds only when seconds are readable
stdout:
10.24
